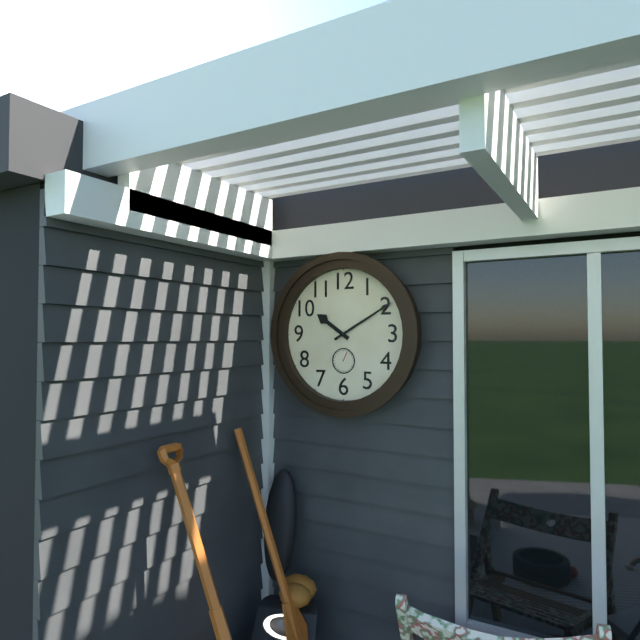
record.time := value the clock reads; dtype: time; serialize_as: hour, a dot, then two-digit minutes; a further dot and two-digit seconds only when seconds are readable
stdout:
10.10
